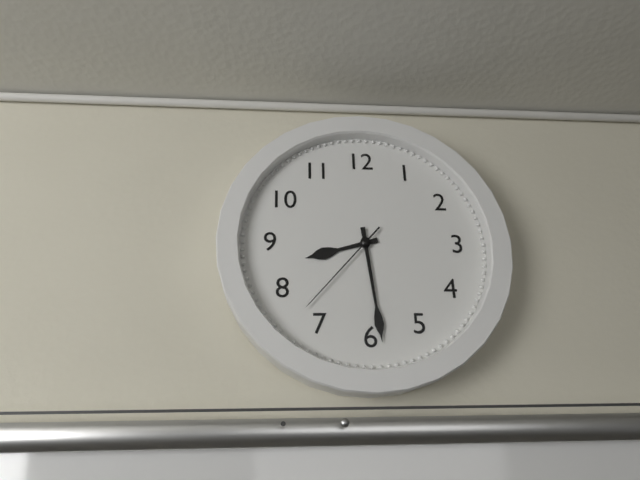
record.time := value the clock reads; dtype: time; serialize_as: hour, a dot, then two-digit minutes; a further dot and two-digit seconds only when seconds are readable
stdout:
8.29.37
